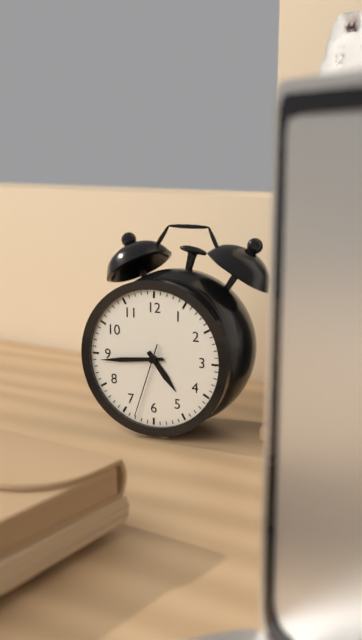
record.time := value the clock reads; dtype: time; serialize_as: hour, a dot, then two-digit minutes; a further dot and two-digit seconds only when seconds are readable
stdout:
4.44.33
